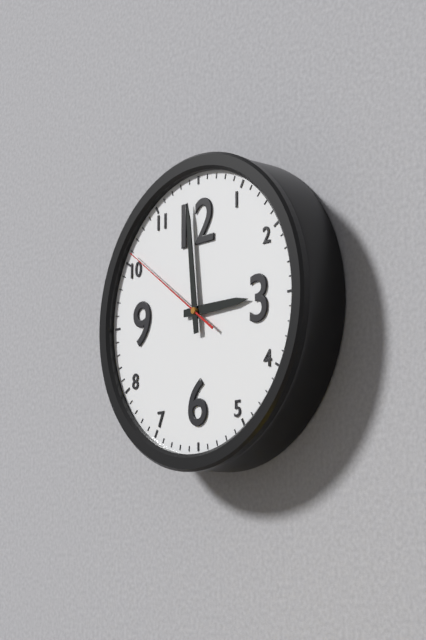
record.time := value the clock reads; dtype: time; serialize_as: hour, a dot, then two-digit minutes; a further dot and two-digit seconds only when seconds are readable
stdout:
2.59.51
